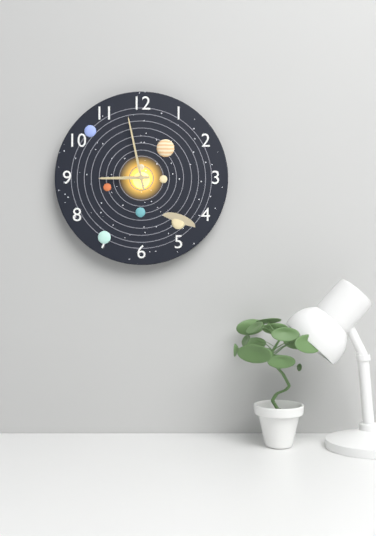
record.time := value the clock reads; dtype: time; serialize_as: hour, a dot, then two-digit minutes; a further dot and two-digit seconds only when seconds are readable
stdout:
8.58
